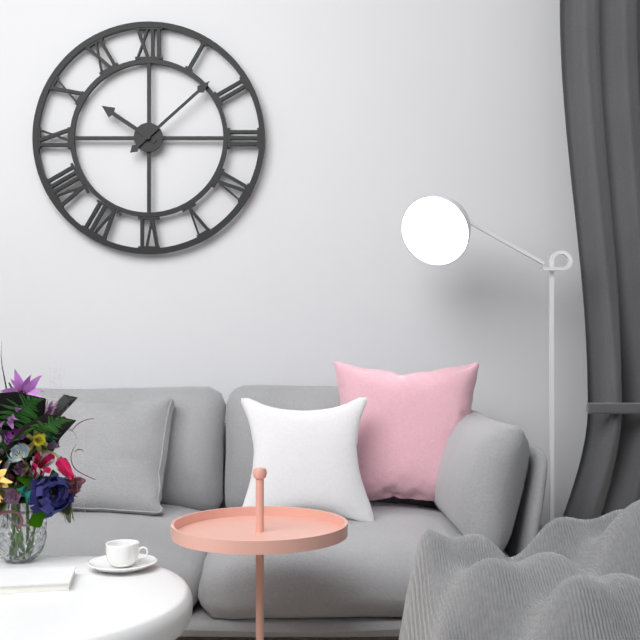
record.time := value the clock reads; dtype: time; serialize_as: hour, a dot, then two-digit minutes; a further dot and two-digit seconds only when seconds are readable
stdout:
10.08
